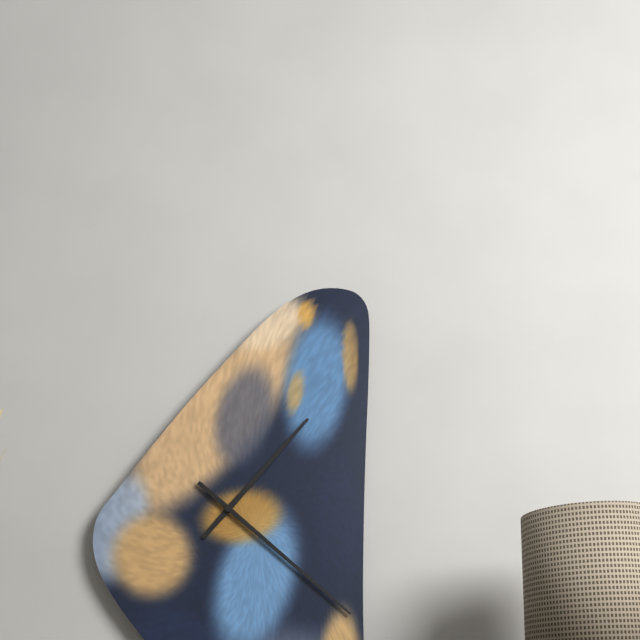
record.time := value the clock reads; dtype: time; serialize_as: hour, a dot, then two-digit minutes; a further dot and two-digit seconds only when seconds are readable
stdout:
1.22
